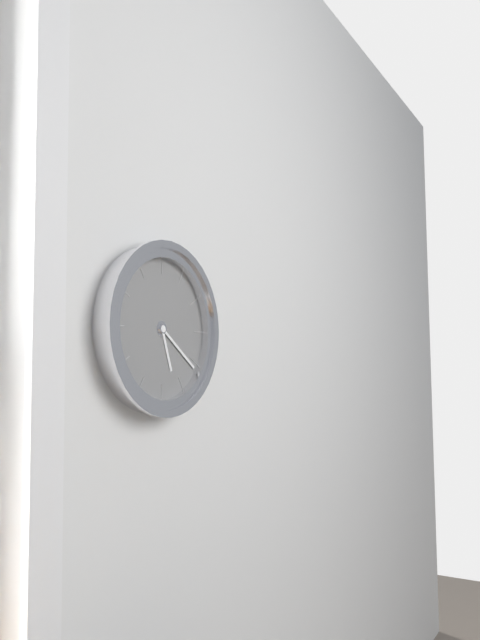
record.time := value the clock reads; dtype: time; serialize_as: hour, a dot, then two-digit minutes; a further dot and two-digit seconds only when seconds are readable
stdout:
5.21
